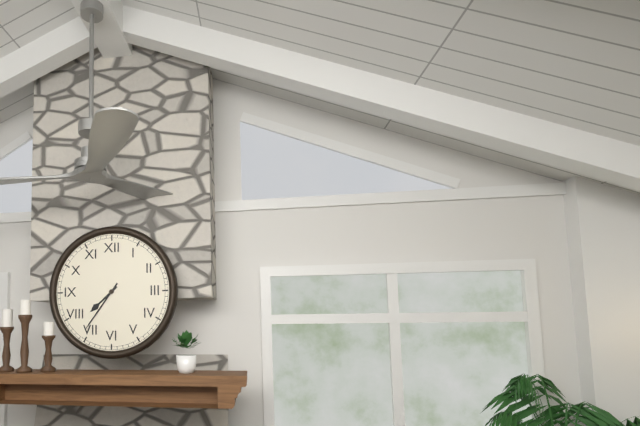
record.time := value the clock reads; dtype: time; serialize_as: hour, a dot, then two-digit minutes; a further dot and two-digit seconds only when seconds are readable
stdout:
7.36
